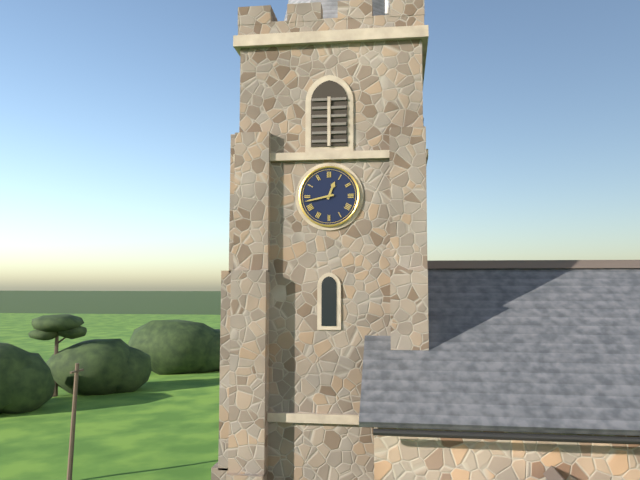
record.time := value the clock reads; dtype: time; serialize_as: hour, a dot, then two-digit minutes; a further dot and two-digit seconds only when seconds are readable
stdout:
12.43
